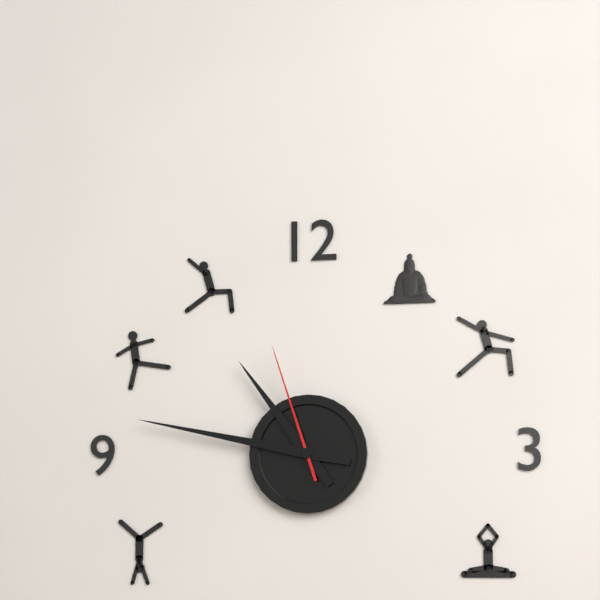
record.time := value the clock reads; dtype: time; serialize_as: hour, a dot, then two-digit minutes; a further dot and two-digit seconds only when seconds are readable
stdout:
10.47.57
